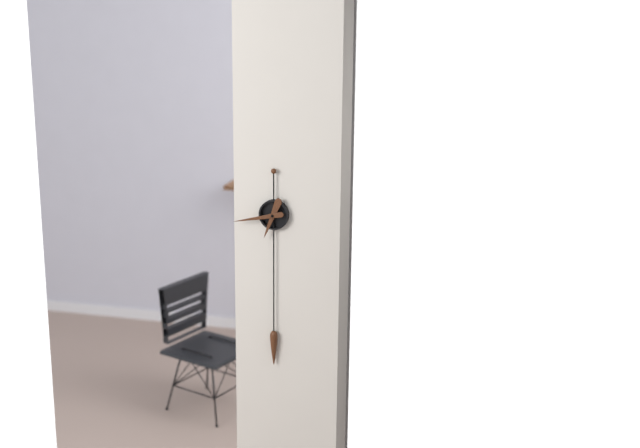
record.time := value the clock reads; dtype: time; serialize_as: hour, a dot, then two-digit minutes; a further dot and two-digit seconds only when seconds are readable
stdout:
6.43
